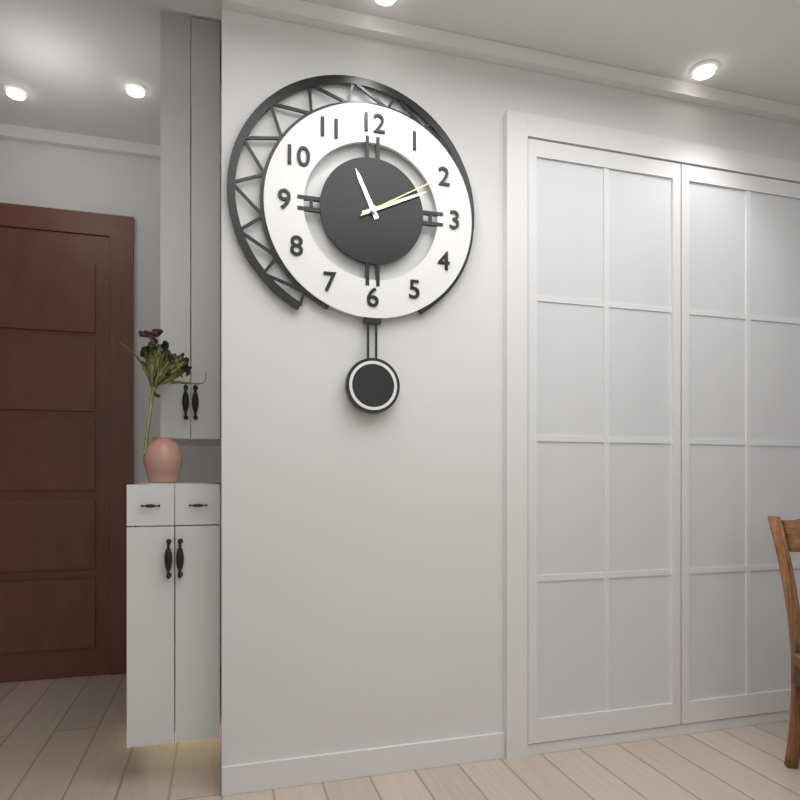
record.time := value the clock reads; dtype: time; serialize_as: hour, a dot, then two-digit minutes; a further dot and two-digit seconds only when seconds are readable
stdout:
11.11.10
